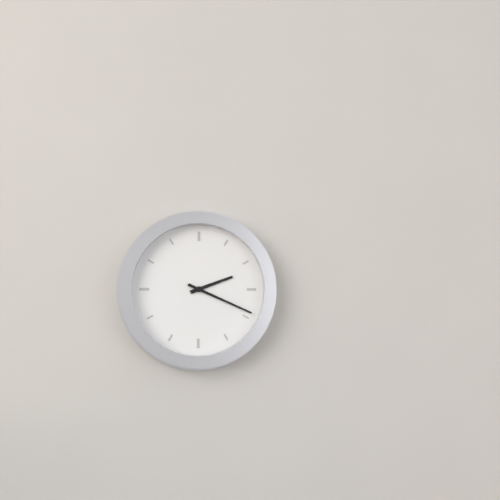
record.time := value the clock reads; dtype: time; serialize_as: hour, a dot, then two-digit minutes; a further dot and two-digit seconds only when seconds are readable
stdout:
2.19
